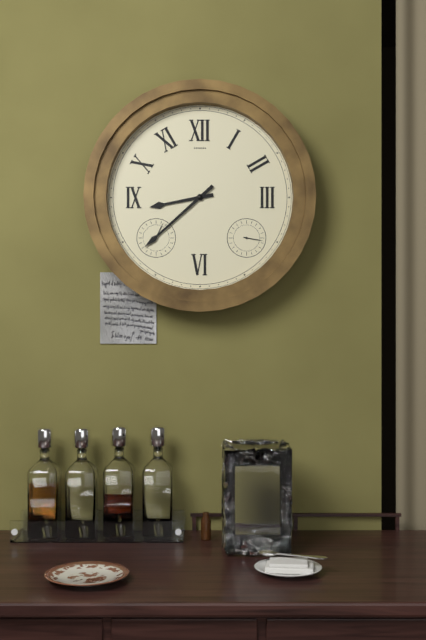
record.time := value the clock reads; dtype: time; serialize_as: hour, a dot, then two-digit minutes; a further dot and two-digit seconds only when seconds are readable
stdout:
8.38
